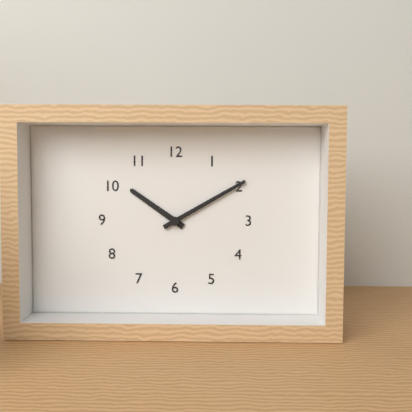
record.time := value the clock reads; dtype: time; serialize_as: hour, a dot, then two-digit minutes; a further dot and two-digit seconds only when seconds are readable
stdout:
10.10
